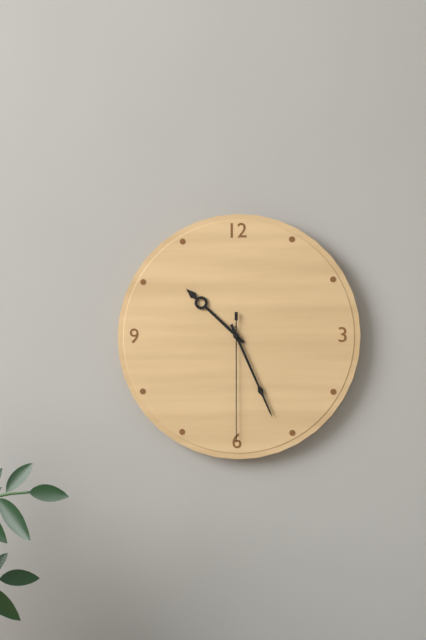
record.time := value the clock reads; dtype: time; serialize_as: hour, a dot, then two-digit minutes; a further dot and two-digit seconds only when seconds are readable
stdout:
10.26.30
